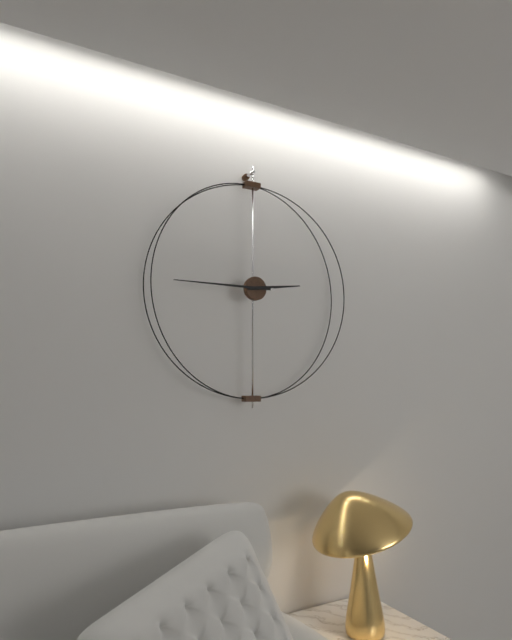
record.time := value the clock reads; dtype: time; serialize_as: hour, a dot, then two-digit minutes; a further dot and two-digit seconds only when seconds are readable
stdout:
2.45
